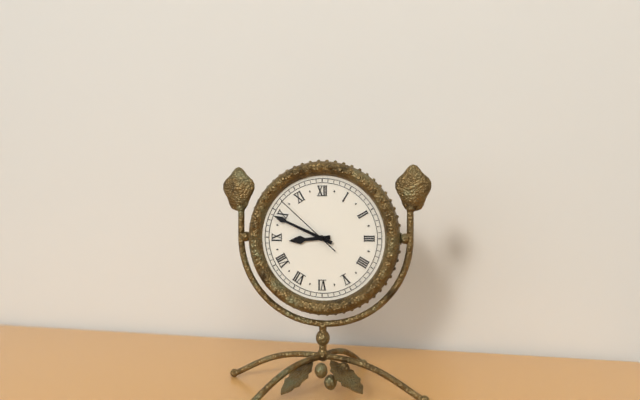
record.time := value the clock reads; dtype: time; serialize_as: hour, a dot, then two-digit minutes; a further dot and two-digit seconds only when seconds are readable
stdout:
8.49.52
